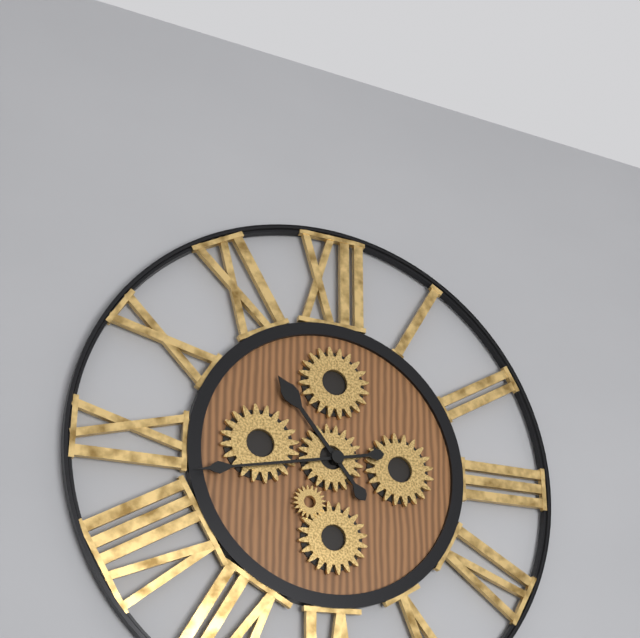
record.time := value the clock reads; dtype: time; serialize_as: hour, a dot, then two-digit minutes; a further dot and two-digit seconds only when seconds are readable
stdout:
10.43
